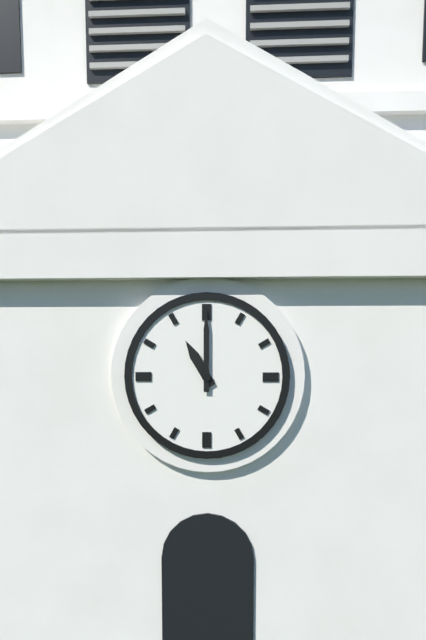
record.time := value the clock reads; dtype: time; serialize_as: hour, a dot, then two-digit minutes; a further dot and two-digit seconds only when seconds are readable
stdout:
11.00
